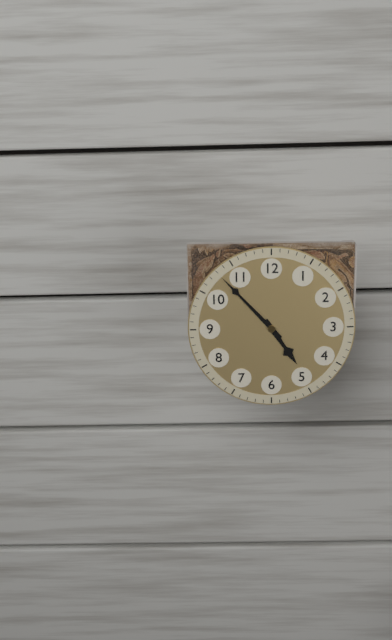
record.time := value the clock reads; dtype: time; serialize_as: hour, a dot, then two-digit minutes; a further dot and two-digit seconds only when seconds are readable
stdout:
4.53
